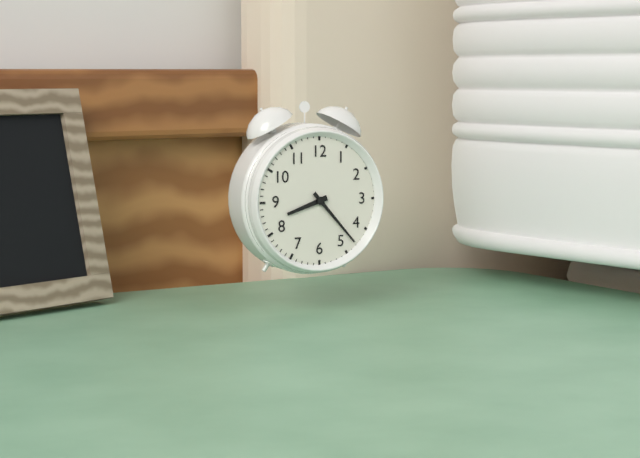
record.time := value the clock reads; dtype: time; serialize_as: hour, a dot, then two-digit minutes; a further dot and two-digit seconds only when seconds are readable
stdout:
8.23
